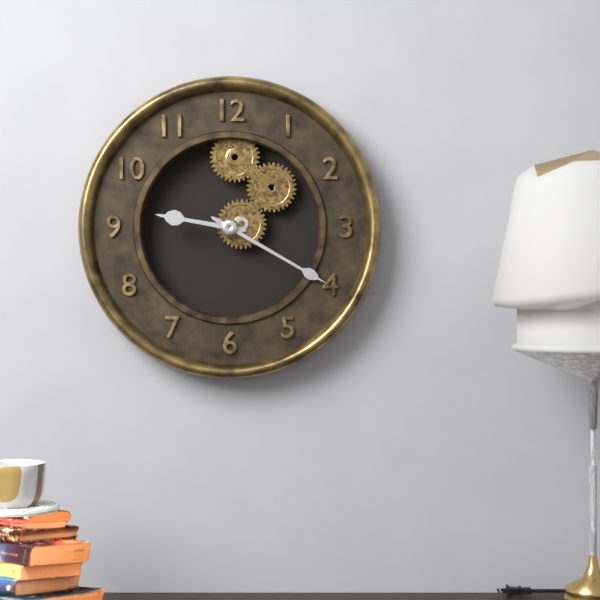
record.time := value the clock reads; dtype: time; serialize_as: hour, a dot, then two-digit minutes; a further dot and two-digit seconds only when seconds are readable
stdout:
9.20
